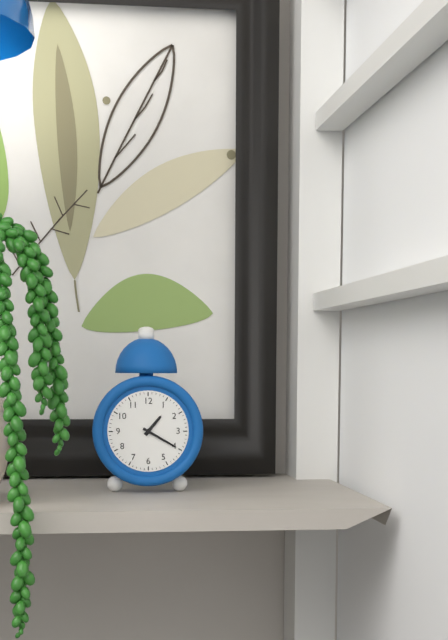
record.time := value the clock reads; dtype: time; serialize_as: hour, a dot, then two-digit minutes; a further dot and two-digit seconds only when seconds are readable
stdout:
1.20
